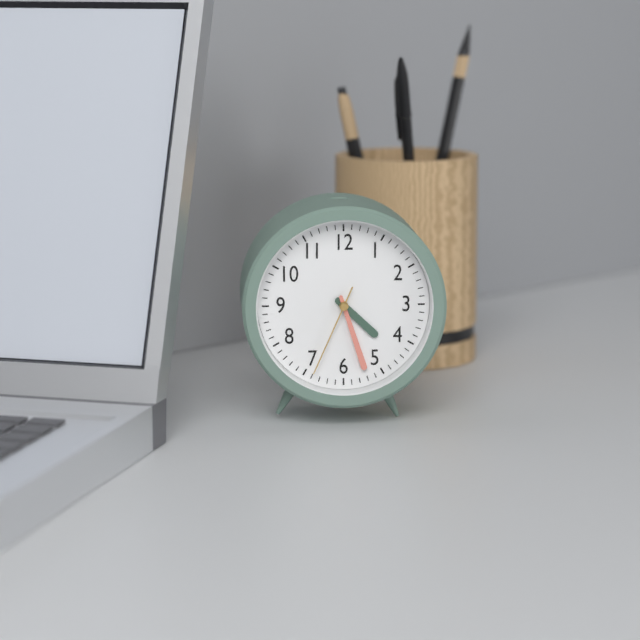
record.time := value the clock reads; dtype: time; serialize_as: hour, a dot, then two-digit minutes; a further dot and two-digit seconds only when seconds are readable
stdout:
4.27.34
